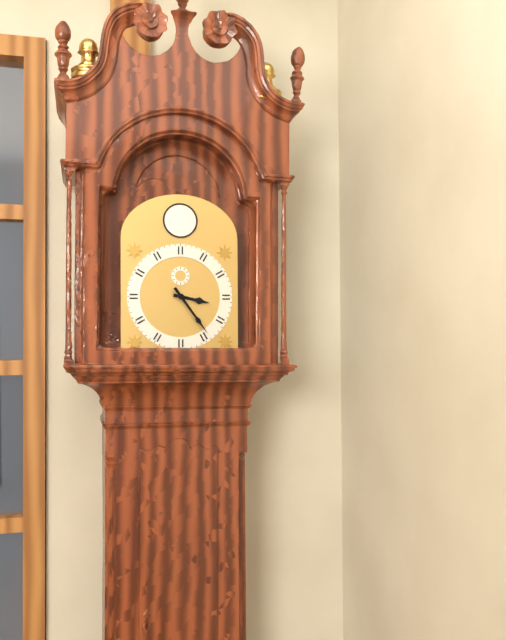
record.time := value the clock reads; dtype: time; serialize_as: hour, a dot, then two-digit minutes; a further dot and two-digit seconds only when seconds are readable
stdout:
3.24
